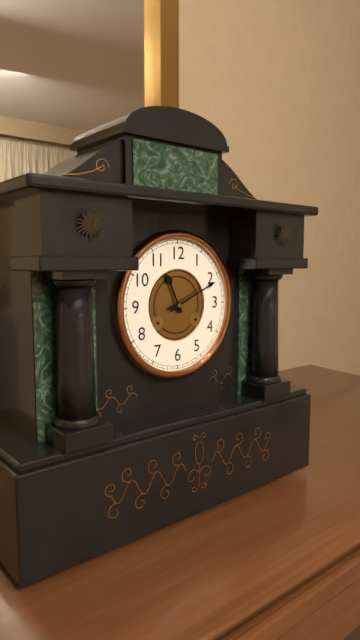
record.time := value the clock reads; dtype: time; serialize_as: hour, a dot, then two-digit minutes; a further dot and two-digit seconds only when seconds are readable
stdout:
11.11
